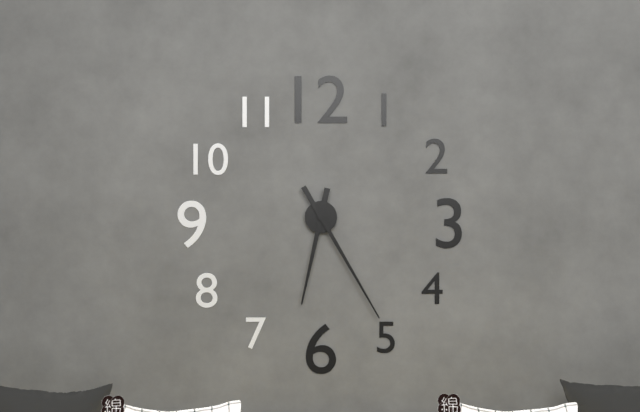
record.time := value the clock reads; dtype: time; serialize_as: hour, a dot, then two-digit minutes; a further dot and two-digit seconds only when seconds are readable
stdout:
6.25
